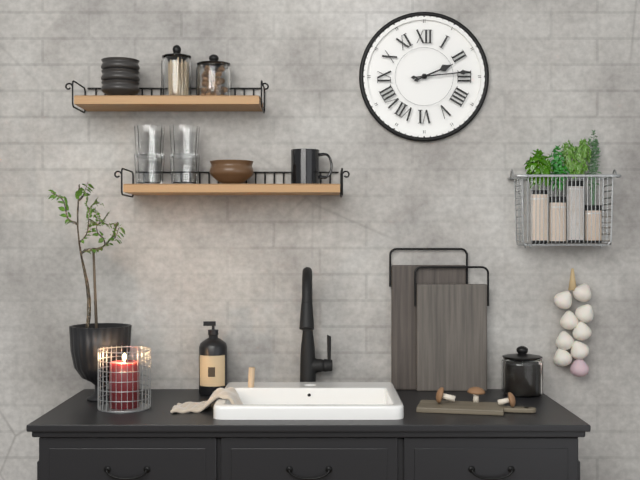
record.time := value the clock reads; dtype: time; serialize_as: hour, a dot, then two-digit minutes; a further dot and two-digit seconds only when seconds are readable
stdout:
2.14
